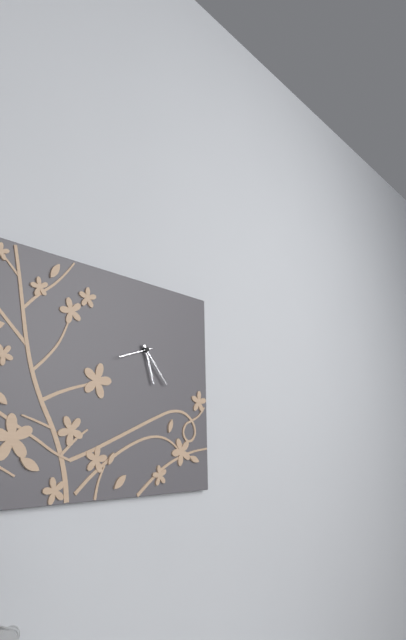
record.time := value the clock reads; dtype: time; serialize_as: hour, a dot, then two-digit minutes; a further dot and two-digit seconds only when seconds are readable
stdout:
5.23
